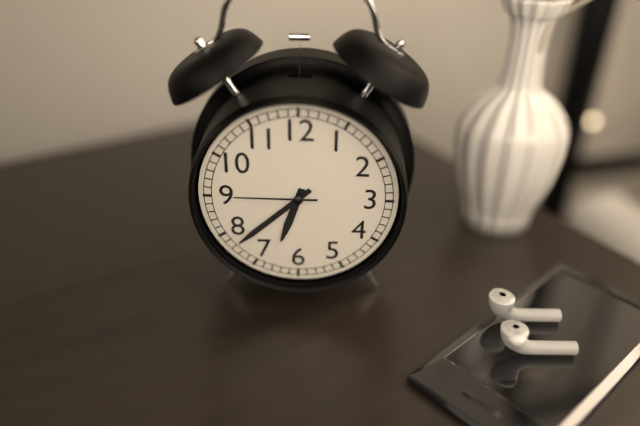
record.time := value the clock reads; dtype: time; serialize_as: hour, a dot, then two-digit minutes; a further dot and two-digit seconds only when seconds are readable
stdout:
6.38.45
